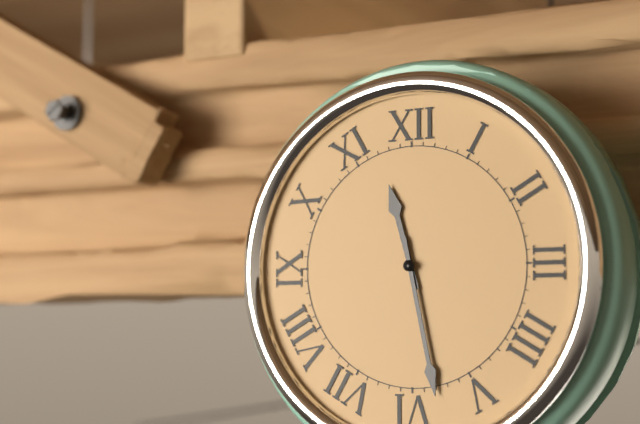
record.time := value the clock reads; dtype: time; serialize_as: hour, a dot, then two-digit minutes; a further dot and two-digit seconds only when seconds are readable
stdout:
11.28
